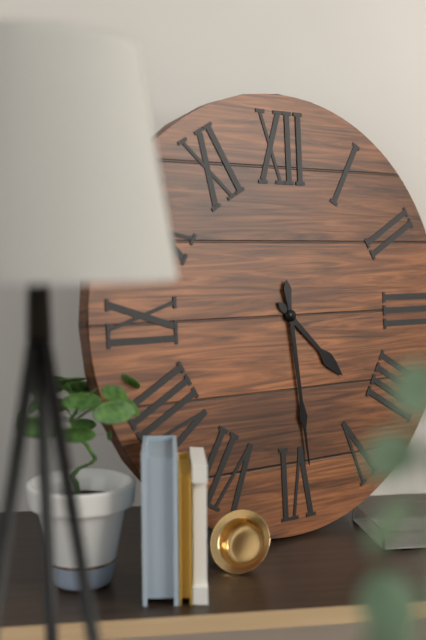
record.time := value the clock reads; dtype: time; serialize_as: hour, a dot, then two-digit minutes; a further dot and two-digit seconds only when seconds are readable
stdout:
4.29
